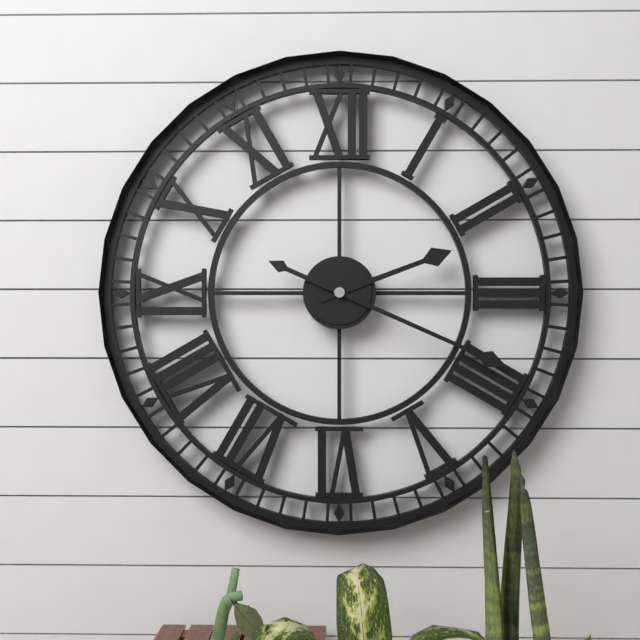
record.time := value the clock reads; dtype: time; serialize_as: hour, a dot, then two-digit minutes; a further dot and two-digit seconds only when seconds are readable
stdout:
2.19
